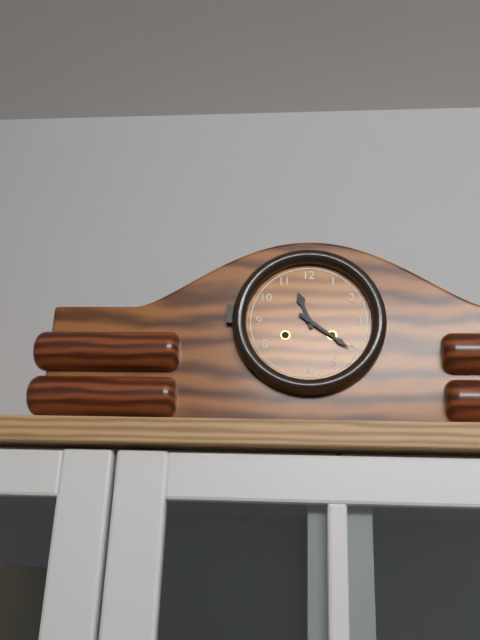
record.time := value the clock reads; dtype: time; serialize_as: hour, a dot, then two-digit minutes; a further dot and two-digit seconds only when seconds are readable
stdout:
11.21
